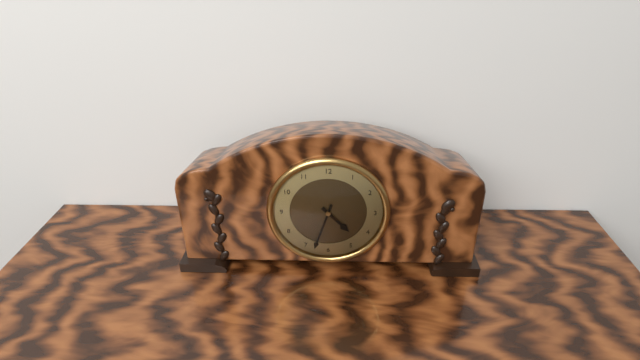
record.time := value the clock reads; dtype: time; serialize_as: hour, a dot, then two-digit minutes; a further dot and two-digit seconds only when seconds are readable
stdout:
4.33
